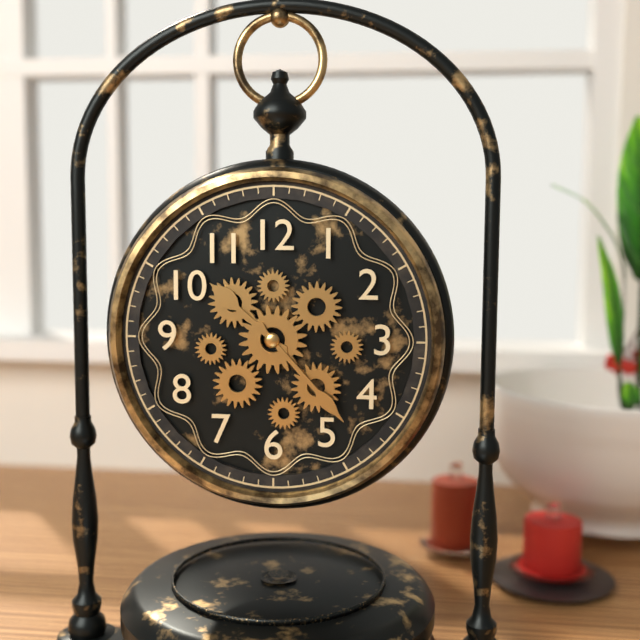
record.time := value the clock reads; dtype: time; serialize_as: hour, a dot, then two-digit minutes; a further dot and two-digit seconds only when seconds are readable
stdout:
10.23
